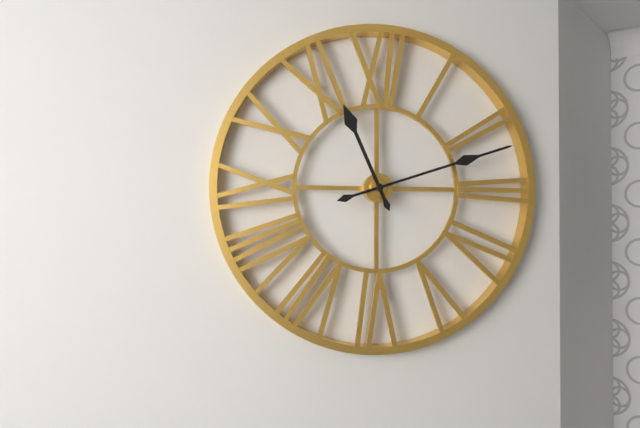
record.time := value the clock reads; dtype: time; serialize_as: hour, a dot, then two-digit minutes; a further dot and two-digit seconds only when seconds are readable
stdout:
11.12
